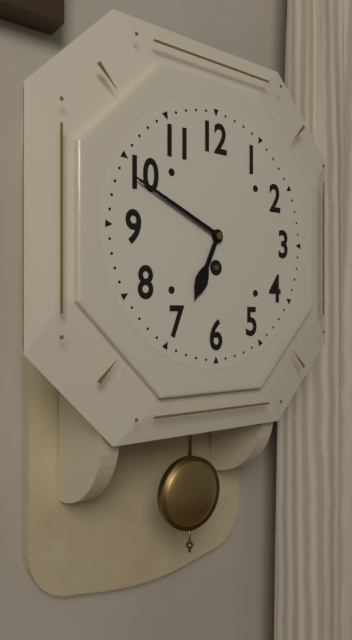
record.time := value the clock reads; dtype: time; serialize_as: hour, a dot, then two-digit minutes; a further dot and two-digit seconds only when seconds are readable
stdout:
6.49
